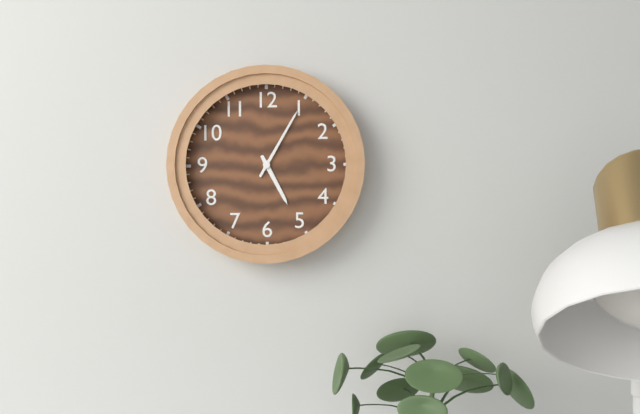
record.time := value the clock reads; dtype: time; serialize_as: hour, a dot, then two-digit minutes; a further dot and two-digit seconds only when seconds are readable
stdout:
5.05
